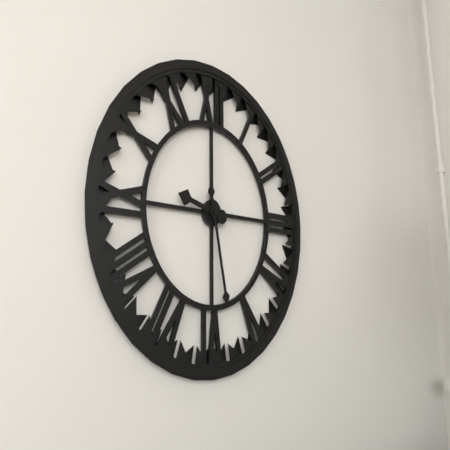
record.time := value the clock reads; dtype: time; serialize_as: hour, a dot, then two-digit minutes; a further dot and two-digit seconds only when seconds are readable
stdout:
9.28
